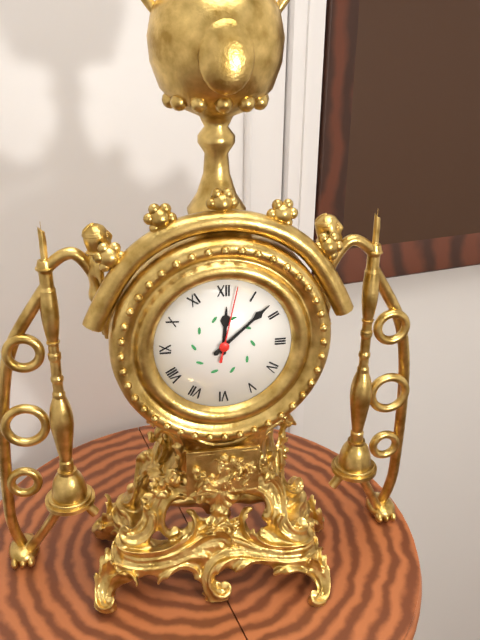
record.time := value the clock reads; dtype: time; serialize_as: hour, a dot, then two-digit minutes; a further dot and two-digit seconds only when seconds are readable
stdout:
12.08.02
